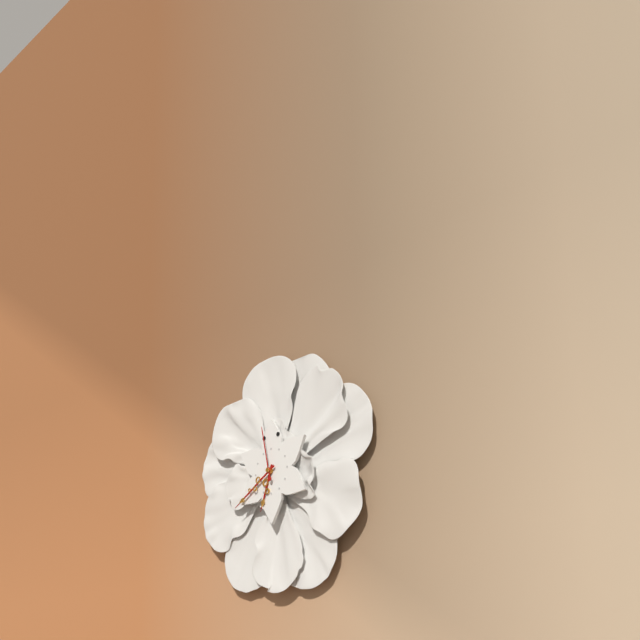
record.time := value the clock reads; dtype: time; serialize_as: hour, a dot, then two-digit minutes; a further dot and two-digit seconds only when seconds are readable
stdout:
6.40.58
